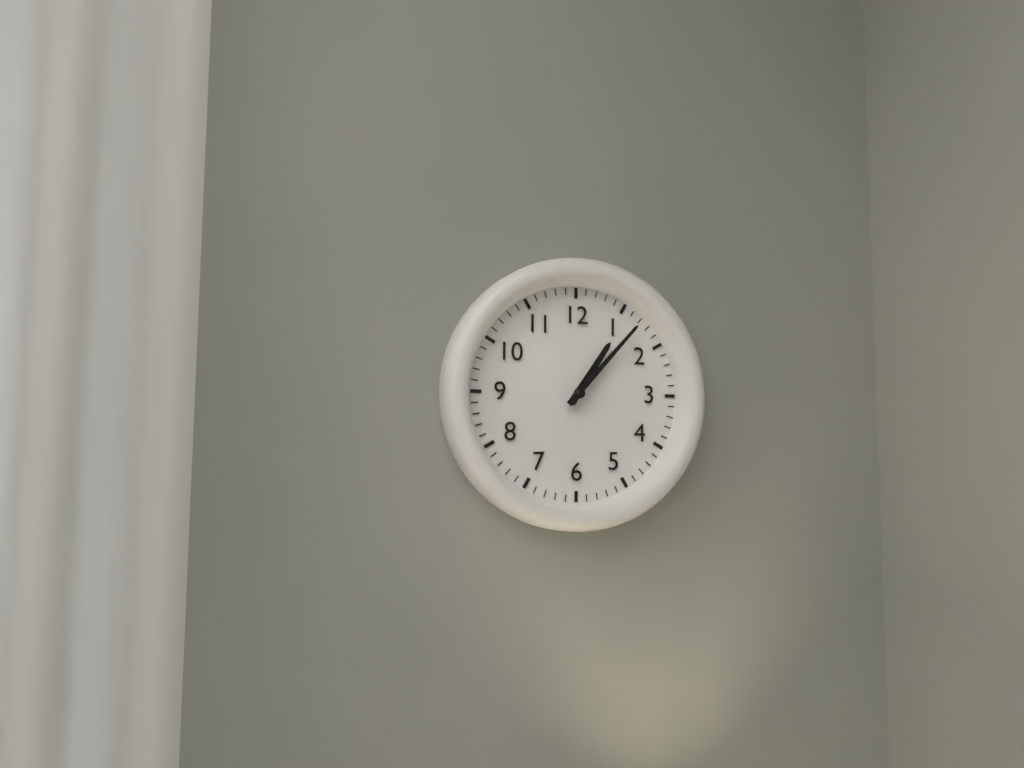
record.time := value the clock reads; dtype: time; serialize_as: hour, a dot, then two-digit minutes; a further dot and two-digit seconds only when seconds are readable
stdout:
1.07
